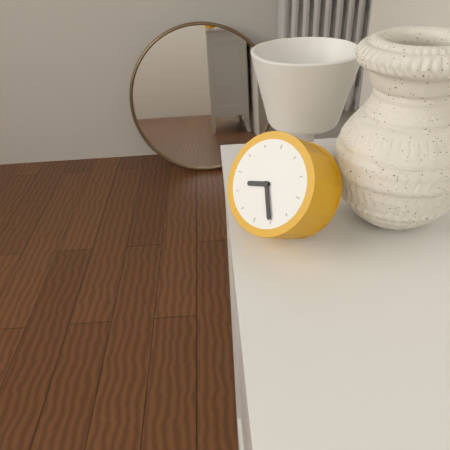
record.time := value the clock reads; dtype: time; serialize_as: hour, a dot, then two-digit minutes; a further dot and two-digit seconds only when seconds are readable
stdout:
8.25
